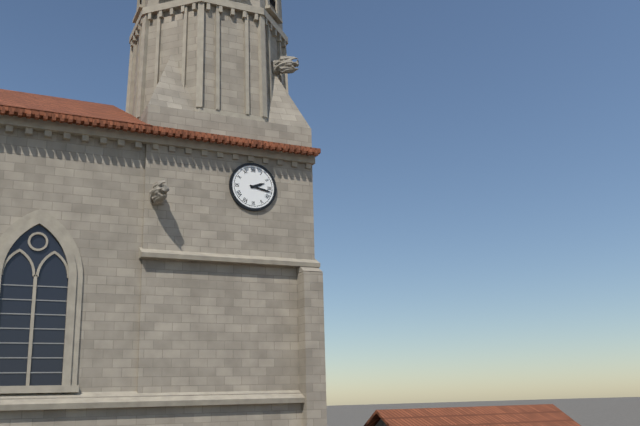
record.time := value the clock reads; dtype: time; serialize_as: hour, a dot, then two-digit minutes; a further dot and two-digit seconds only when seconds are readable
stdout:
2.17
